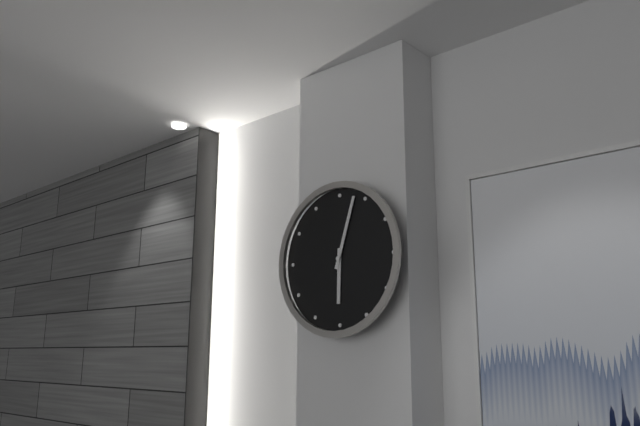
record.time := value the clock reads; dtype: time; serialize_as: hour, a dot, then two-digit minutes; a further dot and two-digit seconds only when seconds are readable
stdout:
6.03
